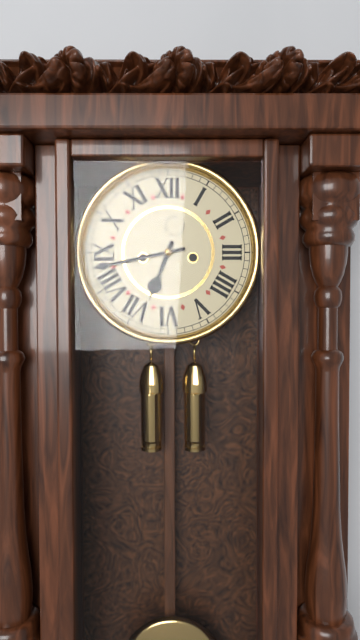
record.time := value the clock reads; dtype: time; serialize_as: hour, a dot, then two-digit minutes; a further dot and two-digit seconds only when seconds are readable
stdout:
6.43
